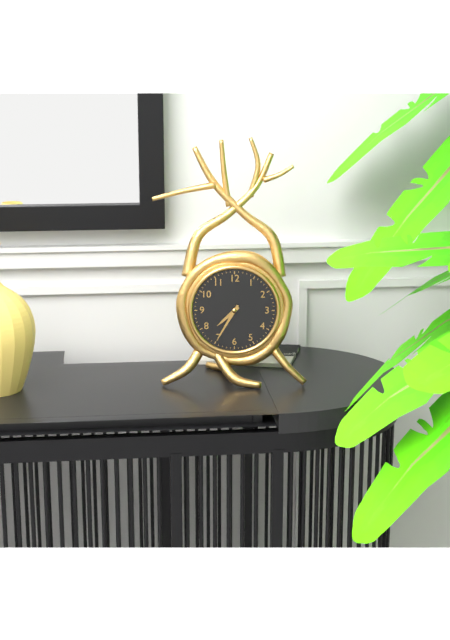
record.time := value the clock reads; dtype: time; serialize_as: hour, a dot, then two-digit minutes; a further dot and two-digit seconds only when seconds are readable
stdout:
7.35
